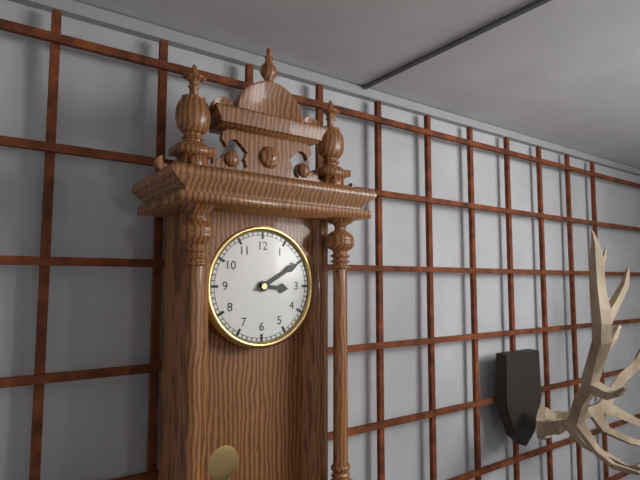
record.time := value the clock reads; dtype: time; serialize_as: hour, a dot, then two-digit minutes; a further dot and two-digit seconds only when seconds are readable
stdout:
3.10
